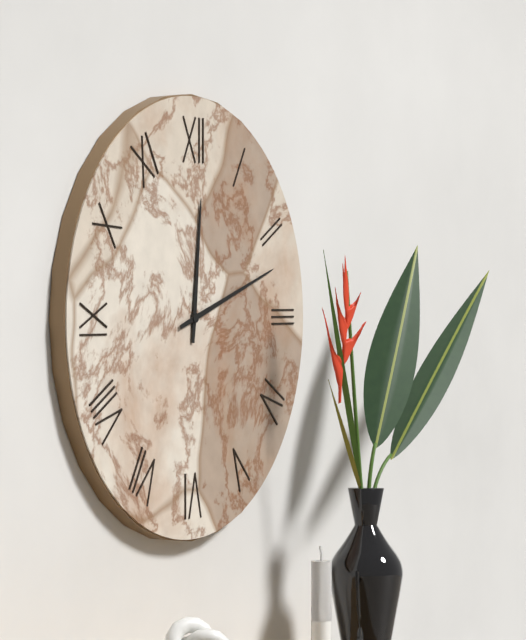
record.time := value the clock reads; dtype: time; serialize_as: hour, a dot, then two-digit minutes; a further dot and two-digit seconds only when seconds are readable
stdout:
12.12
